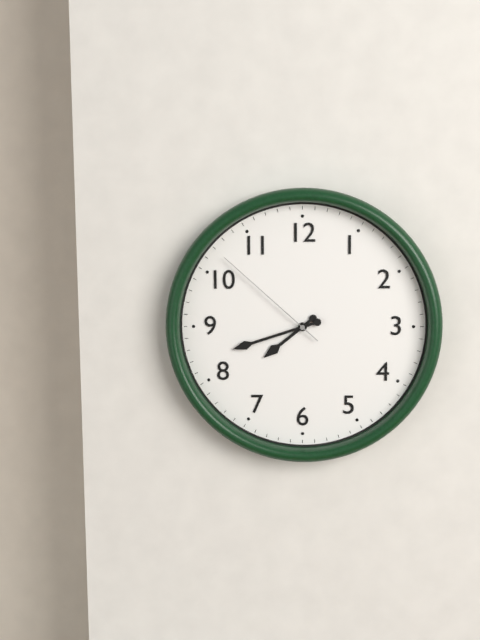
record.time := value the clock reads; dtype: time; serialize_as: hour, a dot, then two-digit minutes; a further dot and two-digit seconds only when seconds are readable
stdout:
7.42.52
